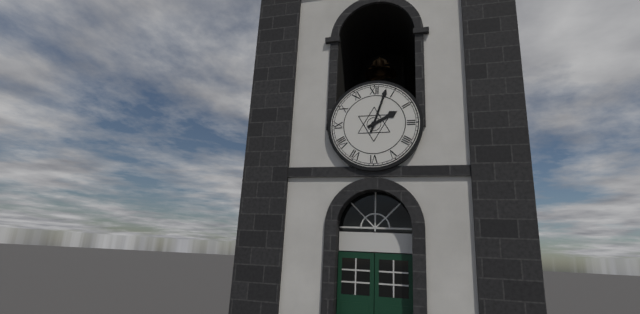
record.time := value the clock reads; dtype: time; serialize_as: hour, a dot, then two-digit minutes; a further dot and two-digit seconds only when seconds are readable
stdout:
2.03
